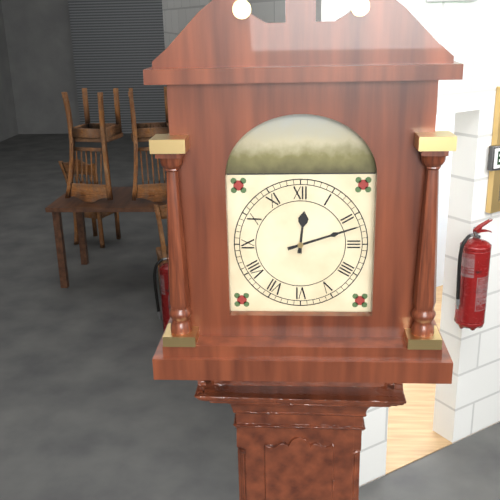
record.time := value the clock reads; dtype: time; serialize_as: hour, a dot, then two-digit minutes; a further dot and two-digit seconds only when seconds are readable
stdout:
12.12
